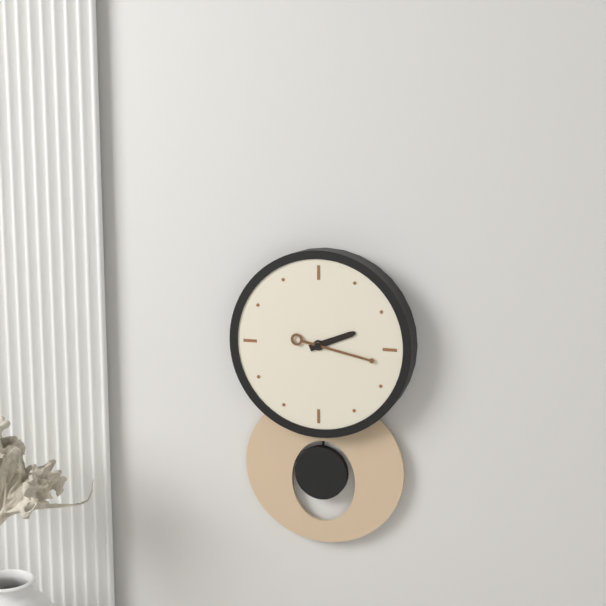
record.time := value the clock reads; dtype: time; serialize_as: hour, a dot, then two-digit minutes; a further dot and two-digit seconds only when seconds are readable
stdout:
2.17
